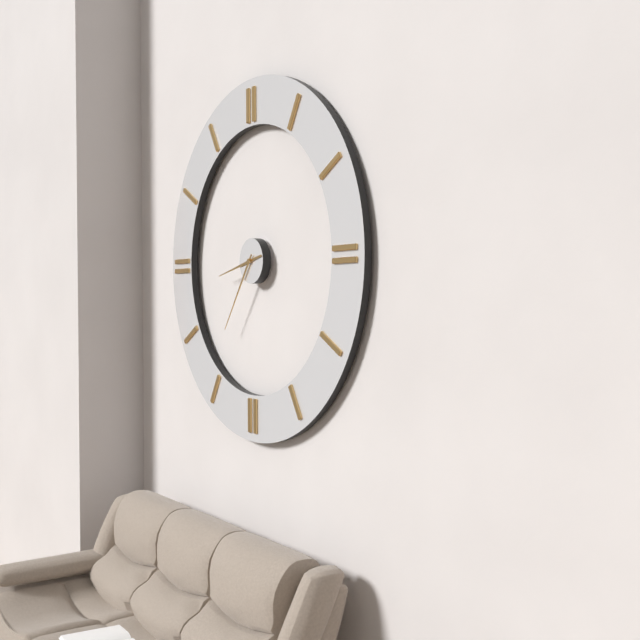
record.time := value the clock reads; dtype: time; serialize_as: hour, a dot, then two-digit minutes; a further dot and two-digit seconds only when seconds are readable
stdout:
8.36
